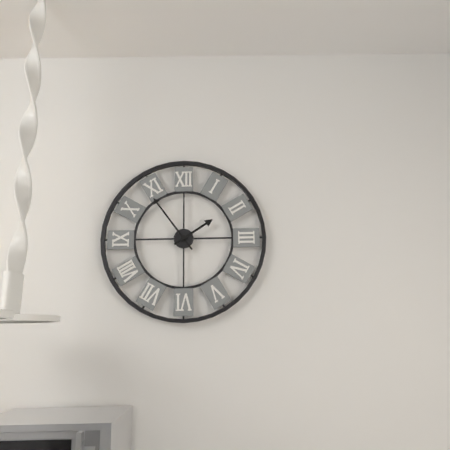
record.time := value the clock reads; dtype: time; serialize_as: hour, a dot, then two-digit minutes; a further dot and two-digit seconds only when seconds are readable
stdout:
1.54
